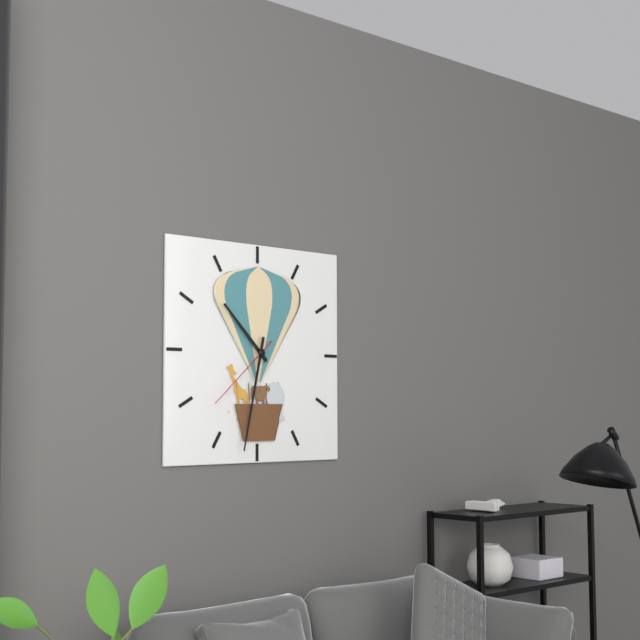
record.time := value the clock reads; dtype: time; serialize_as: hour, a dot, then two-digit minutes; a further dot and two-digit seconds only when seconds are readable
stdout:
10.32.38
